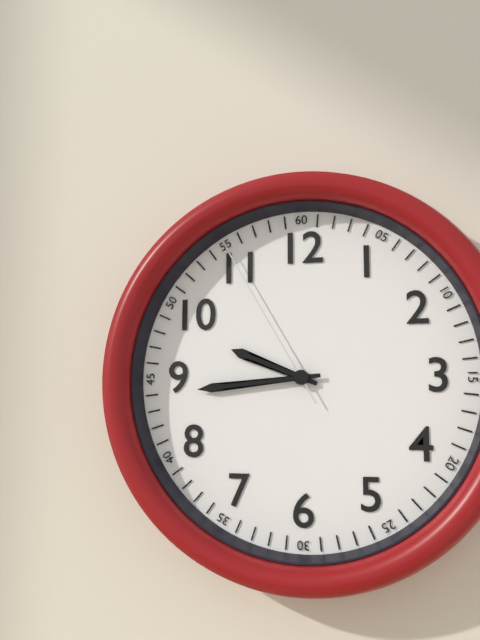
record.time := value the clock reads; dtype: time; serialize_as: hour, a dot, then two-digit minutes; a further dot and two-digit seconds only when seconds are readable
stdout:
9.44.55
